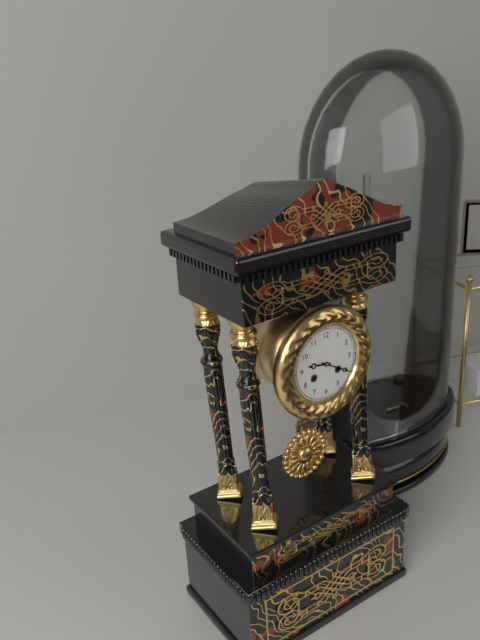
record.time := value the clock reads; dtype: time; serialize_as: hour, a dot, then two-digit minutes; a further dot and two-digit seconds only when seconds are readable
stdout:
9.20
